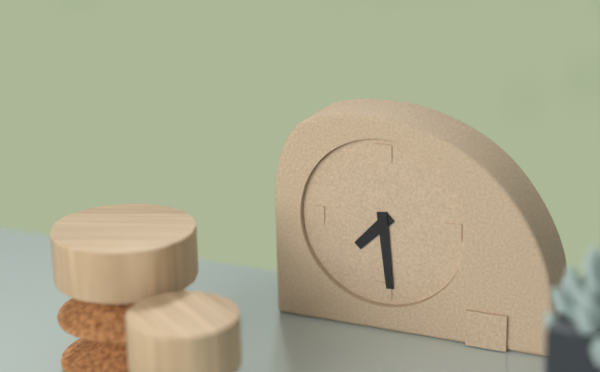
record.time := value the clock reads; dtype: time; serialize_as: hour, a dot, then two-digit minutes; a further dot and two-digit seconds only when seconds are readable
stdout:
7.29
